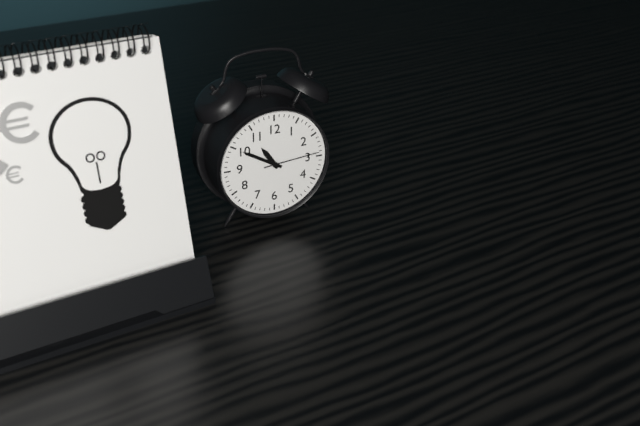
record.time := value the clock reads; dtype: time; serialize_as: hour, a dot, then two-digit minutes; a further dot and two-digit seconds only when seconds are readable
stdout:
10.50.14
